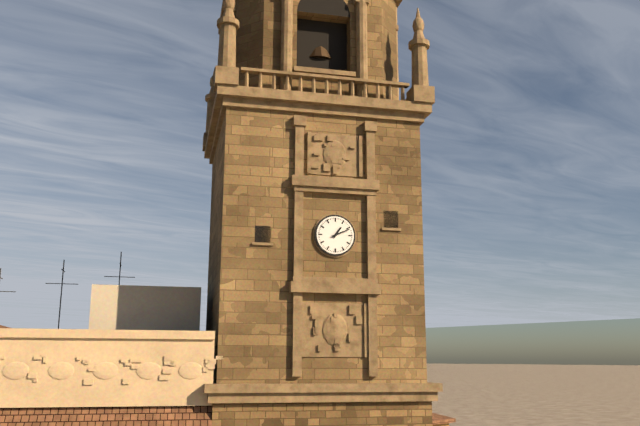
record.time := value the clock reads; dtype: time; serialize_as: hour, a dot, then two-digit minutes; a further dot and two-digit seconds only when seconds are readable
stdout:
1.11
